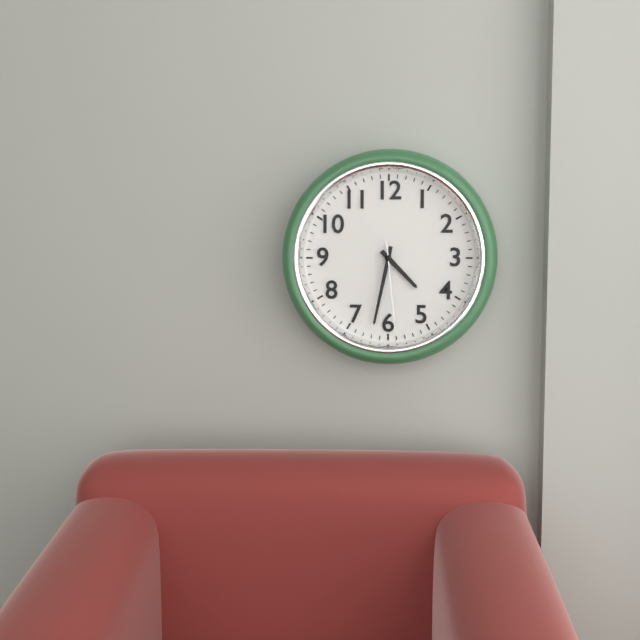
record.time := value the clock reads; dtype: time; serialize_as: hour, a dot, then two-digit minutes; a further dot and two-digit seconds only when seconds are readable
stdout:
4.32.29
